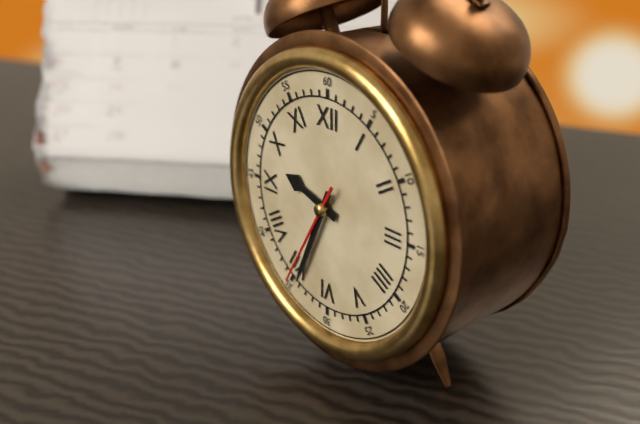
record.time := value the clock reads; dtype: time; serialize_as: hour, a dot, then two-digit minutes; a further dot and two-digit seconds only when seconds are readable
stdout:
9.34.35
